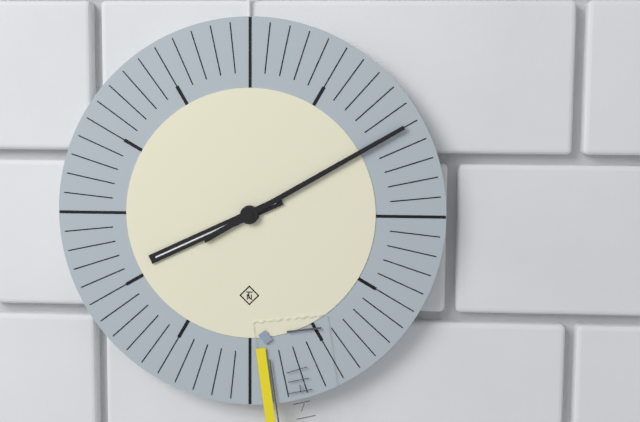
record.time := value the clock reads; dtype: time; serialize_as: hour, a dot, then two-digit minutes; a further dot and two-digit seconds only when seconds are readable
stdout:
8.10
